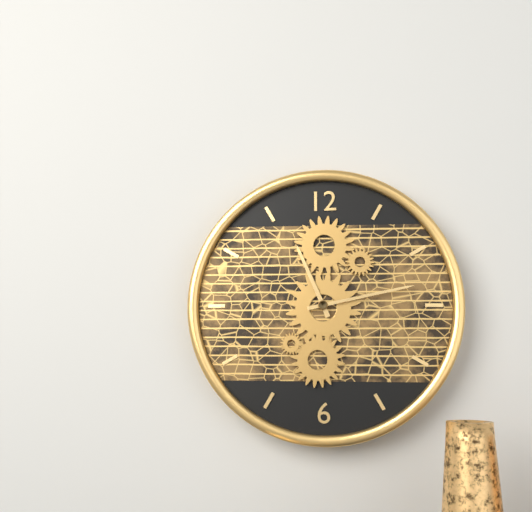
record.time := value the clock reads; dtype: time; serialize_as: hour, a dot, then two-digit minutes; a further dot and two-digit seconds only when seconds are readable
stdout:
11.13
